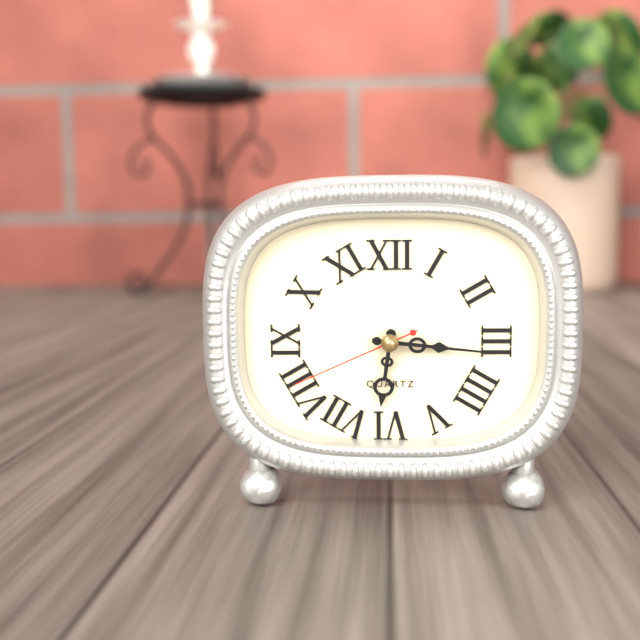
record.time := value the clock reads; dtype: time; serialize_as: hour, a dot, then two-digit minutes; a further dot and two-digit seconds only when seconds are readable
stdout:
6.16.41
